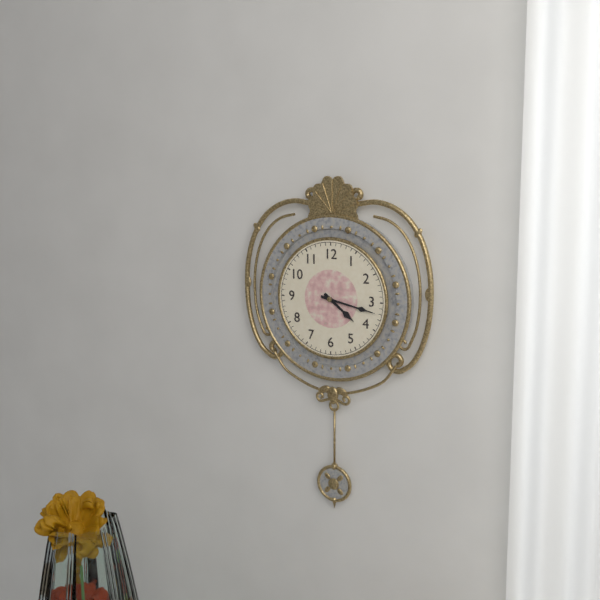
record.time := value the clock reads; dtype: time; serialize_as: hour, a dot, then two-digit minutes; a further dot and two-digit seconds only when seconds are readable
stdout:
4.17
